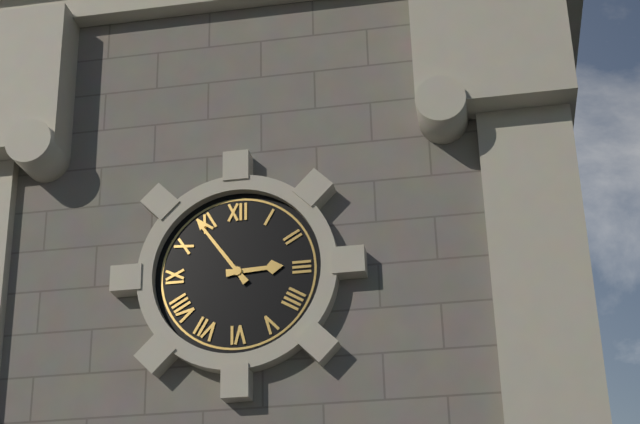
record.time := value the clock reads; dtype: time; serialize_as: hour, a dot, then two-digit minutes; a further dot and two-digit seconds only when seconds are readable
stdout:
2.54
